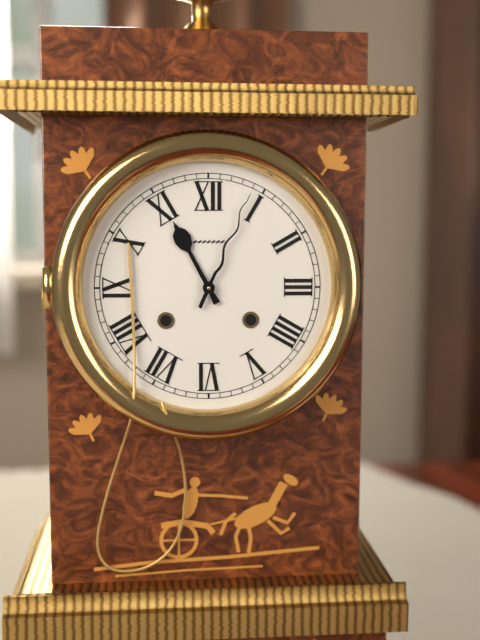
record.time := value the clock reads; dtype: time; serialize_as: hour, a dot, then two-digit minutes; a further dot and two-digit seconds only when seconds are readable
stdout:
11.04
